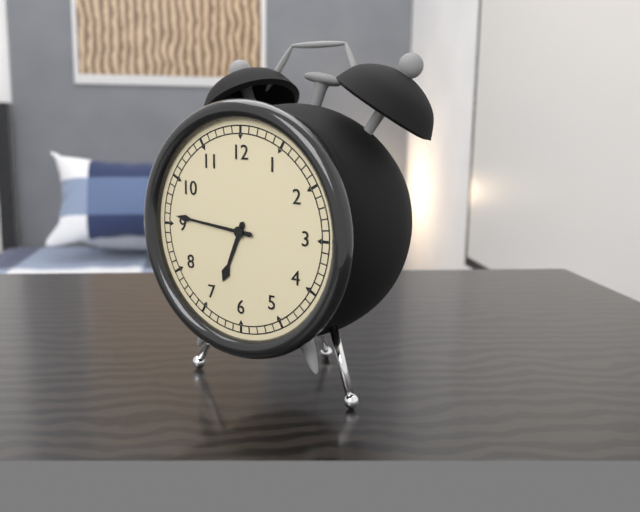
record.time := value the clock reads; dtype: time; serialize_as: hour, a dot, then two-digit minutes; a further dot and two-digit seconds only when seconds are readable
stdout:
6.46
